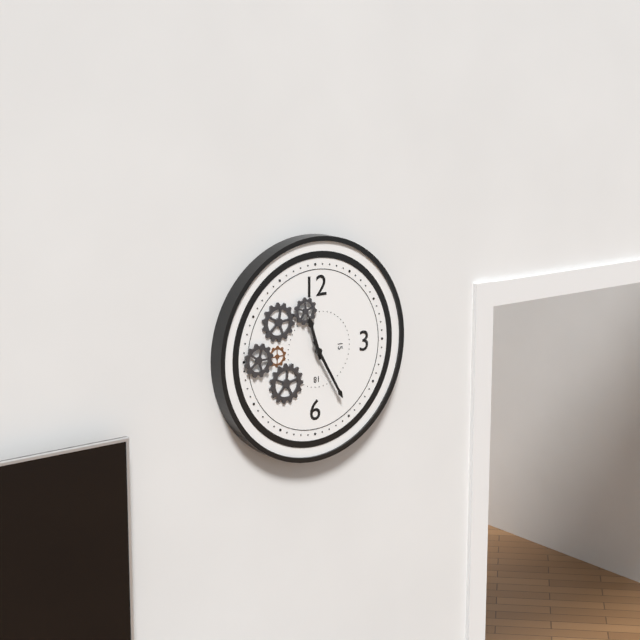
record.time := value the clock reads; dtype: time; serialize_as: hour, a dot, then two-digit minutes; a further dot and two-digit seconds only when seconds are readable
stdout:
11.25
